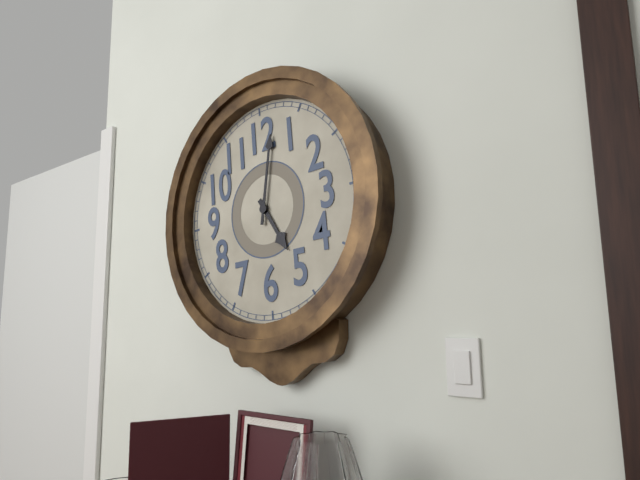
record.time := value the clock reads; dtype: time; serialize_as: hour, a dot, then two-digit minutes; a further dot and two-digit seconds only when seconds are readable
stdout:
5.02
